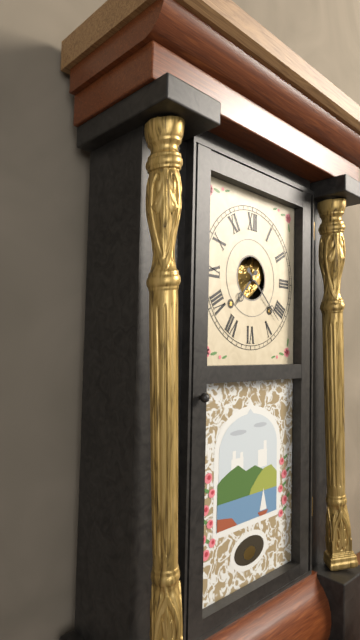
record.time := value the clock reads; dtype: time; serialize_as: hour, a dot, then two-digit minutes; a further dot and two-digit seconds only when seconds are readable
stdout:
7.22
